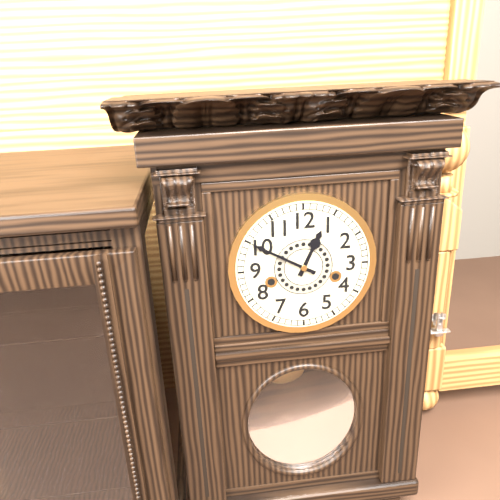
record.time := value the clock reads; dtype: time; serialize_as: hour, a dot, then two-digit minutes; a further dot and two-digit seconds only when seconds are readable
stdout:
12.50
